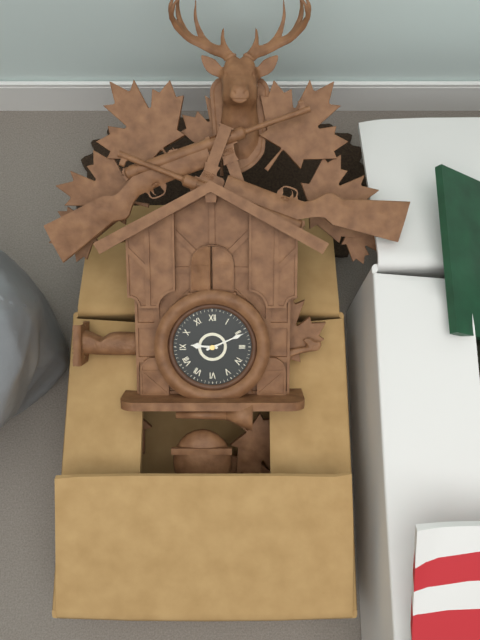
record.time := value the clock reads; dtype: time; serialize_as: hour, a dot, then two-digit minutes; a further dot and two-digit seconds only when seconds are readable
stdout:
9.11
